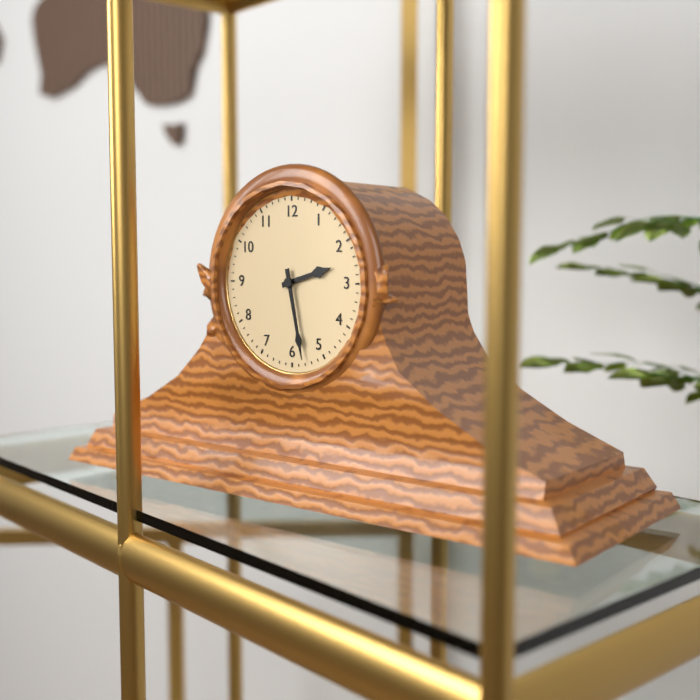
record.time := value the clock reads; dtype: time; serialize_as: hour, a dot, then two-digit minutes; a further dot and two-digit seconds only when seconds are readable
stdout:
2.28
